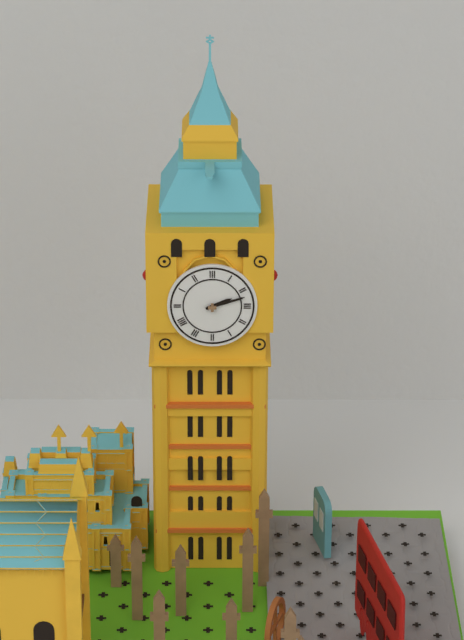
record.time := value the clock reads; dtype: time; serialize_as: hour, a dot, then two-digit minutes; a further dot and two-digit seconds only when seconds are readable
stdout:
2.12
